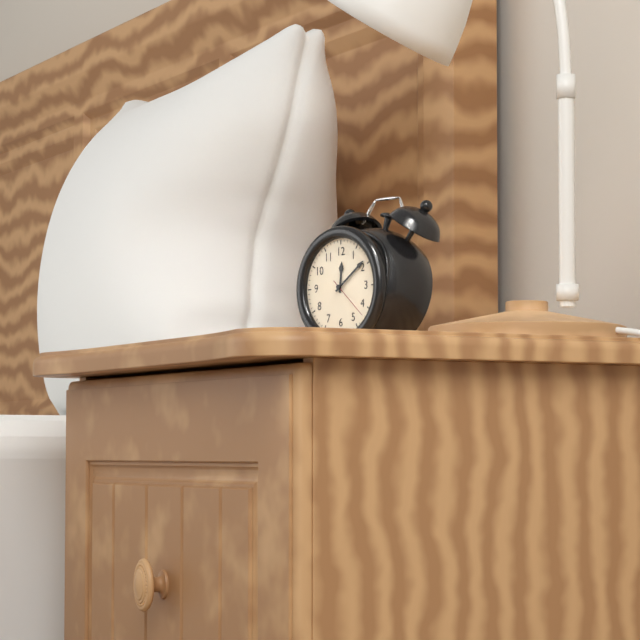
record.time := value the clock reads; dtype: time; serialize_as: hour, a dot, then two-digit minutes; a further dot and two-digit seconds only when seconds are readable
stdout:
12.09
